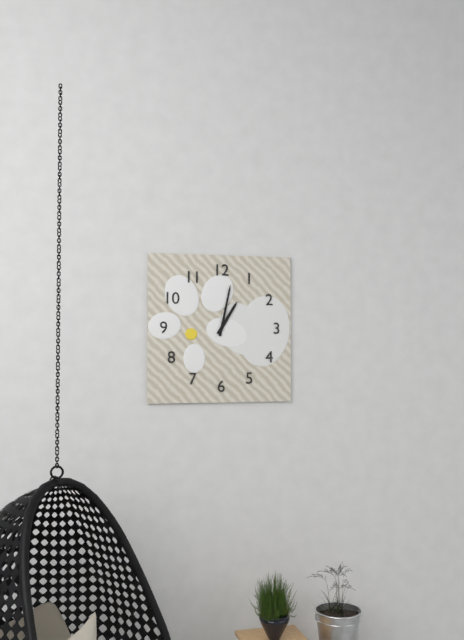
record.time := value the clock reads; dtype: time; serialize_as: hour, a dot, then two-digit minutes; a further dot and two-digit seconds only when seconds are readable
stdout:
1.02
